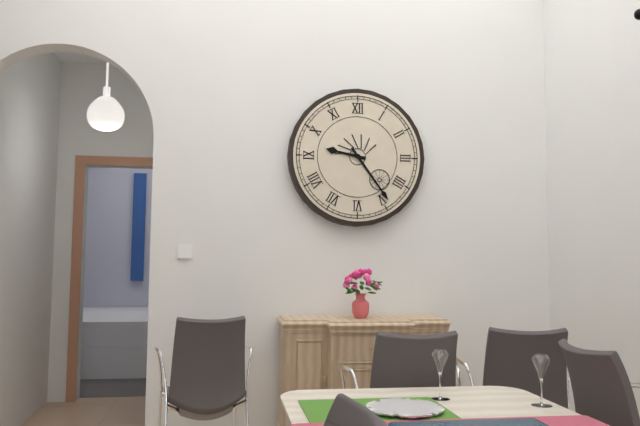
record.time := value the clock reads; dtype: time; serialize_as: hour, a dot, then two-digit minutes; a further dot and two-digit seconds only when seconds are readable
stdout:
9.24
